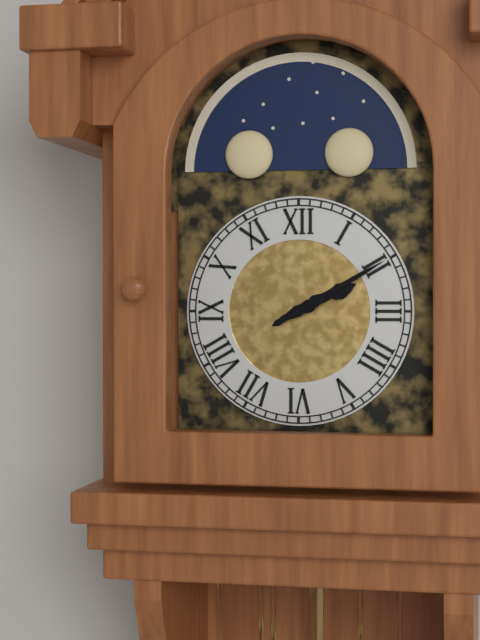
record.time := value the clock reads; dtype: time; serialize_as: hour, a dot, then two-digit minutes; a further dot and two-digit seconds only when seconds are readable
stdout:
2.10
